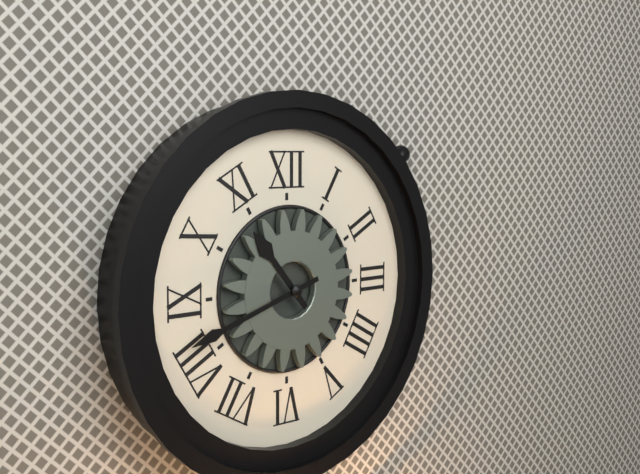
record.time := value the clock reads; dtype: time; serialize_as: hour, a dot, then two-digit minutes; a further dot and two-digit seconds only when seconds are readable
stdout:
10.42
